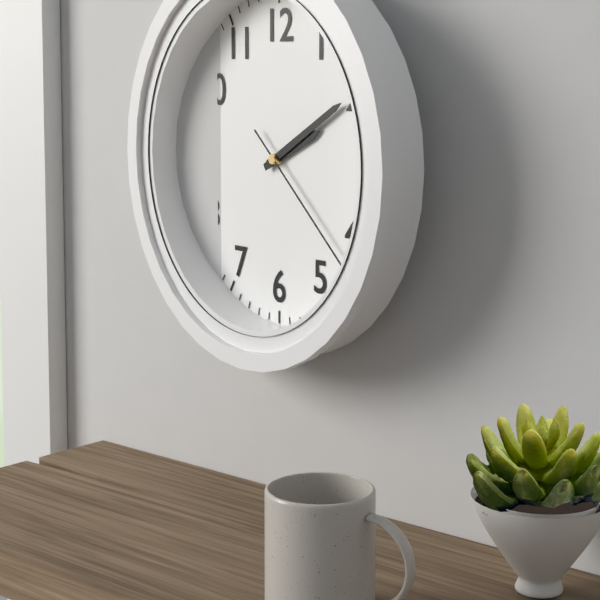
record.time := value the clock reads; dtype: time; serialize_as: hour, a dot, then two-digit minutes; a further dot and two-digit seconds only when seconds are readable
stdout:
2.10.22
